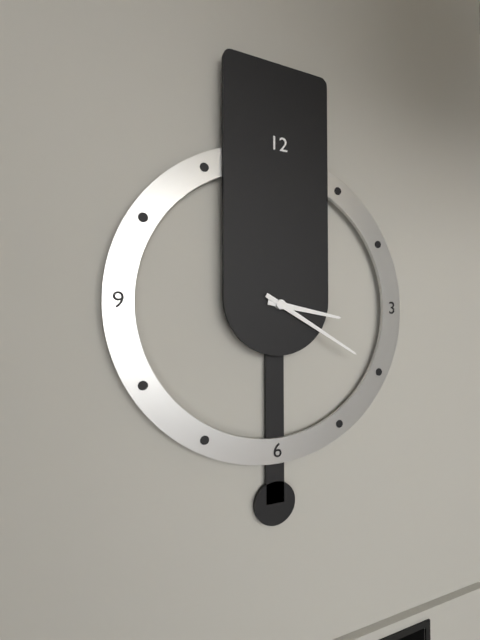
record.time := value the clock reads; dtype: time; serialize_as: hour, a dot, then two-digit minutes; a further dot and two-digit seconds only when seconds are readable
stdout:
3.20
